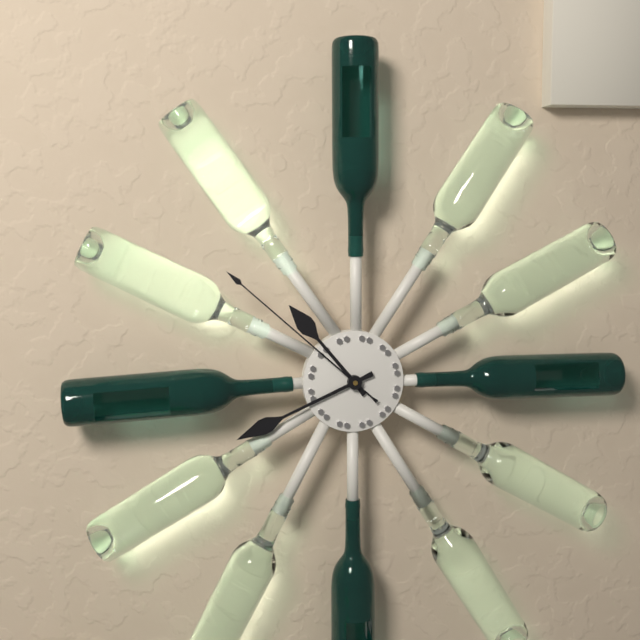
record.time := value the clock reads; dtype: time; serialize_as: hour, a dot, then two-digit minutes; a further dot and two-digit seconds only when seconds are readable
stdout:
10.41.52
